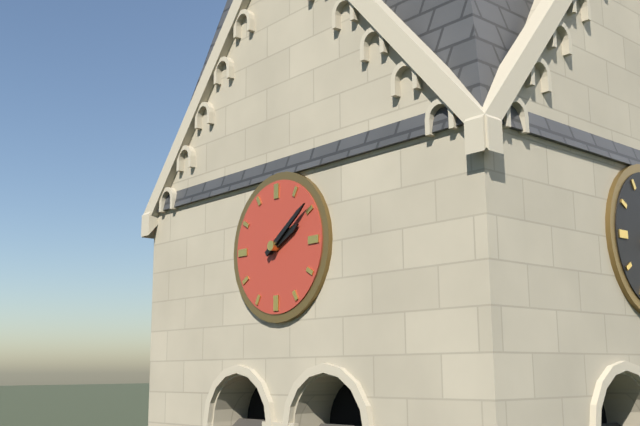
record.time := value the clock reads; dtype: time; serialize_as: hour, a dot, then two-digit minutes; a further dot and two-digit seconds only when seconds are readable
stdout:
2.09
